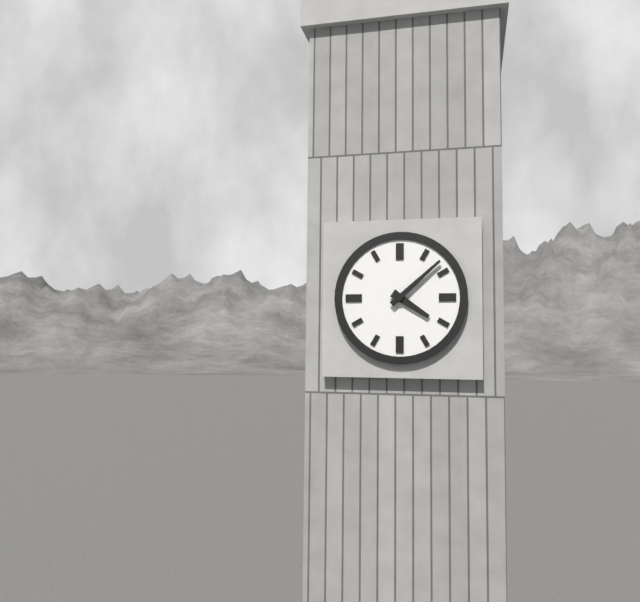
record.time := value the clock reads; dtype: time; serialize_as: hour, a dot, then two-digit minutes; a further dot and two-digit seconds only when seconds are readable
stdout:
4.08
